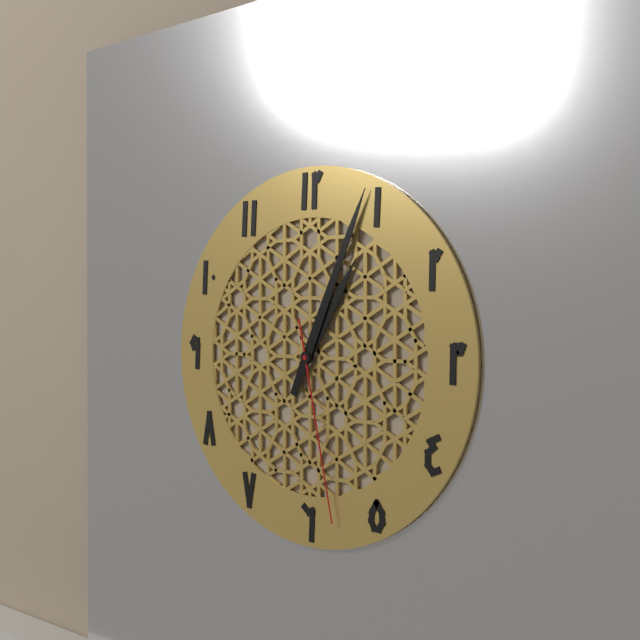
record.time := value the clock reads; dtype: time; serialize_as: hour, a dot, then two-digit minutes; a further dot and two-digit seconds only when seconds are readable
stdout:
1.04.28
